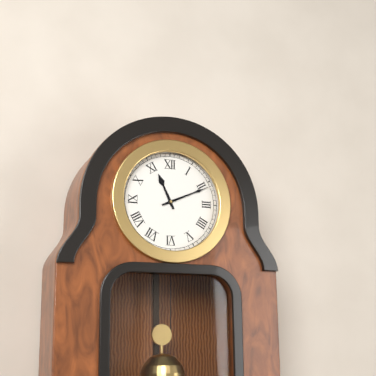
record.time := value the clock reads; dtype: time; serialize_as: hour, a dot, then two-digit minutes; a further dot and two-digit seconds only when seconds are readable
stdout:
11.11
